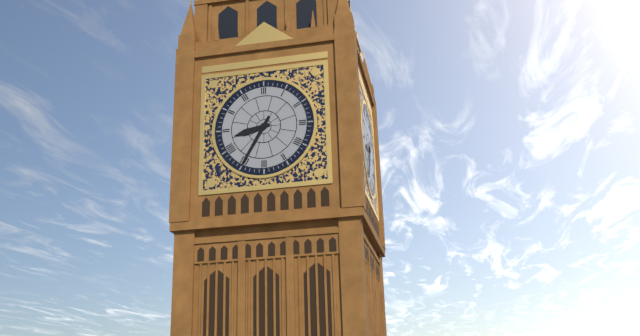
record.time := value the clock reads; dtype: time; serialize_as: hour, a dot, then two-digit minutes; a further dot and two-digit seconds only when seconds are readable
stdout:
8.35
